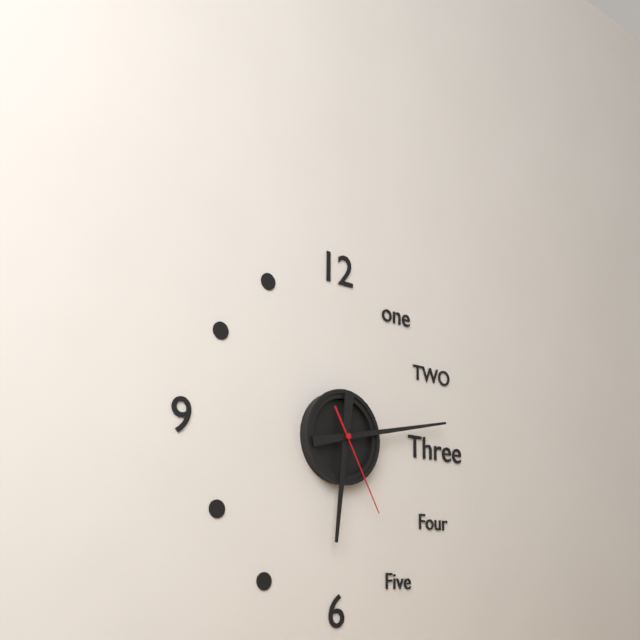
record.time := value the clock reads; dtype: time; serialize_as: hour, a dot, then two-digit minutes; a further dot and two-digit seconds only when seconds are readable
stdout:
6.13.25
